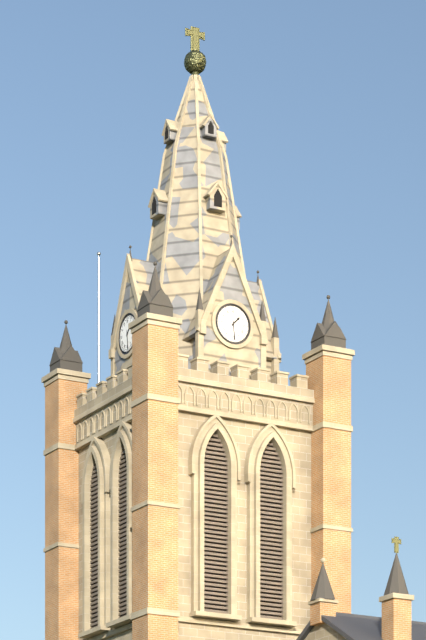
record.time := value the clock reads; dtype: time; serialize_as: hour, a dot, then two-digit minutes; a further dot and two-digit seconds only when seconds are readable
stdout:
1.29
